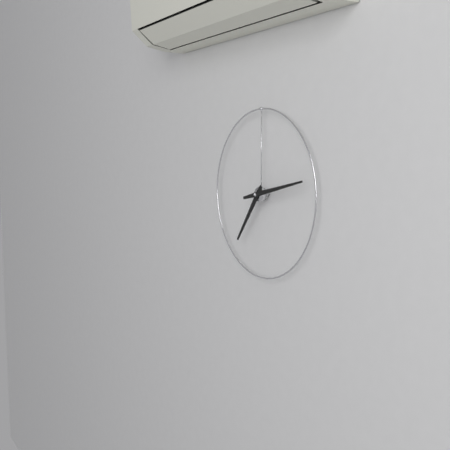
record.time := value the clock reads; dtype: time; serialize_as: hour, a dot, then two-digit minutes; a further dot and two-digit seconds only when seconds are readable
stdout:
7.13
